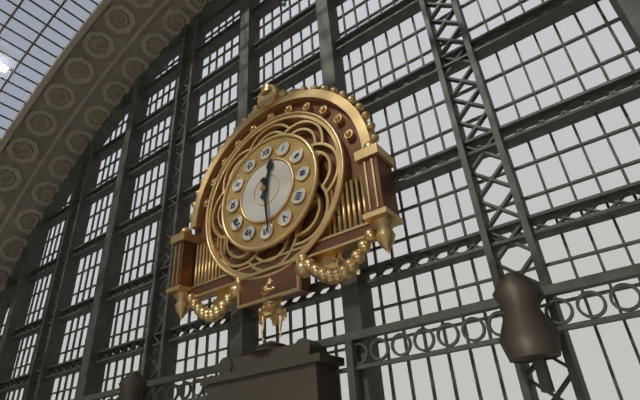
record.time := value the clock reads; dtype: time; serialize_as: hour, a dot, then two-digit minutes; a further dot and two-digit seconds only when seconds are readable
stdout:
12.29
